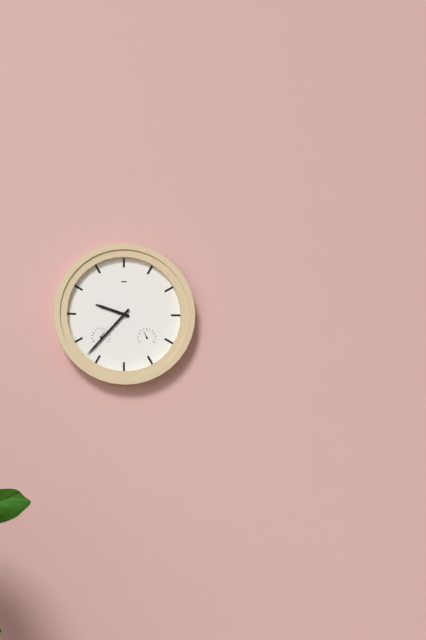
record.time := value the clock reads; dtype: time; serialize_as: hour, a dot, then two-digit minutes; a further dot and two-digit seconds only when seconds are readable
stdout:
9.37
